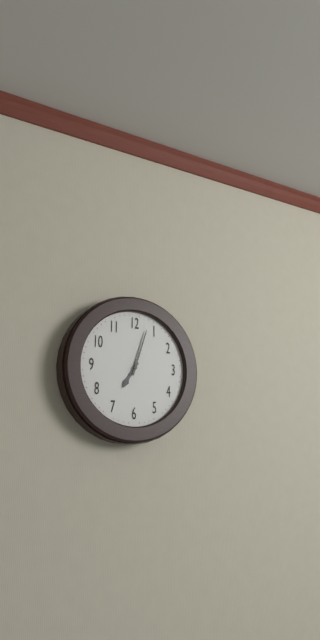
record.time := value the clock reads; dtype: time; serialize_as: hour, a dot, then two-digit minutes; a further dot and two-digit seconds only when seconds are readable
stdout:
7.03
